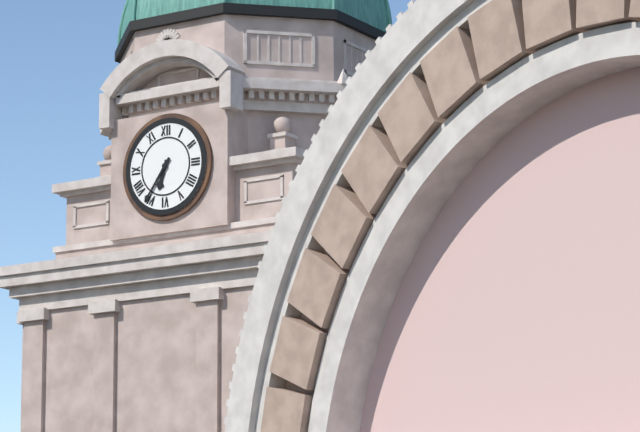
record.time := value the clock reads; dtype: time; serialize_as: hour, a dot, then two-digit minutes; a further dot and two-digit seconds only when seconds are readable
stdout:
6.36
